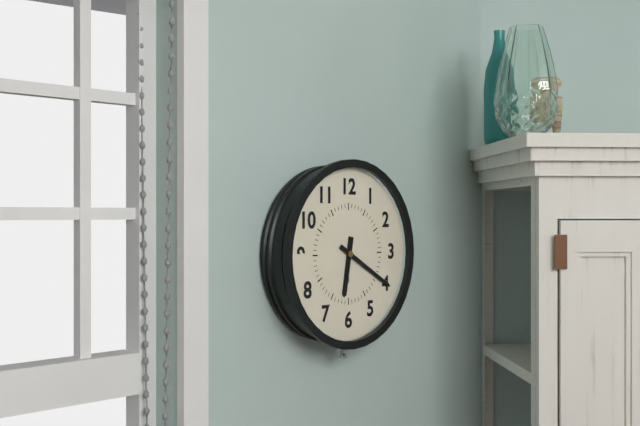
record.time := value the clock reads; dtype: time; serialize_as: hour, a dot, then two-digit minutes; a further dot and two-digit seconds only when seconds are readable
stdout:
6.20
